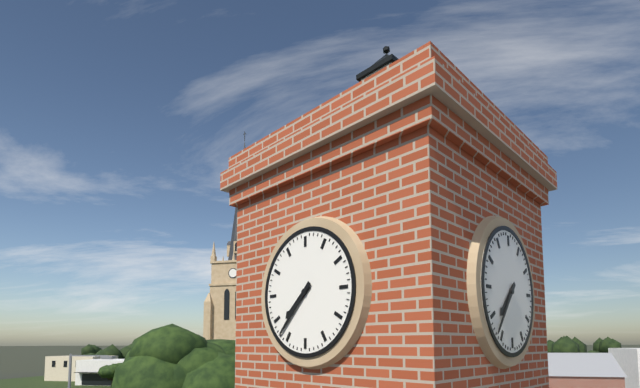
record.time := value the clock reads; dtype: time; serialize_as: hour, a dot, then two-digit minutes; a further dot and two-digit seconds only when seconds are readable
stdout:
7.37
